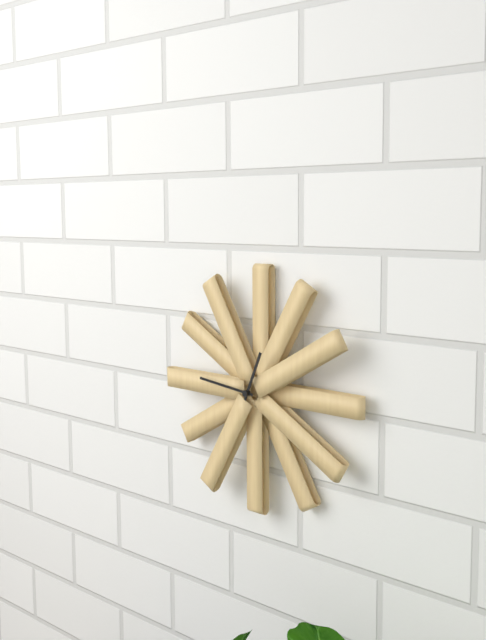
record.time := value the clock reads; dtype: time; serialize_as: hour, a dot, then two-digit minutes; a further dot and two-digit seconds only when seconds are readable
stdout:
12.46
